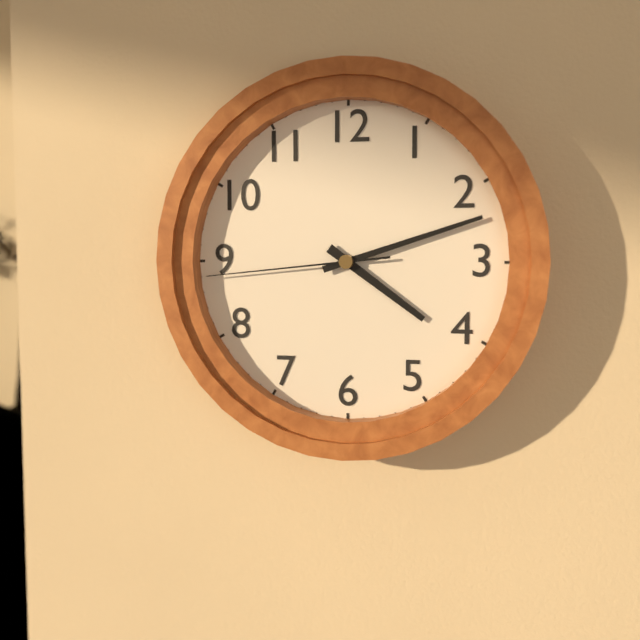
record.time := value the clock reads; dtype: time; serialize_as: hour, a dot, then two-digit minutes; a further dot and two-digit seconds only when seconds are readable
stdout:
4.12.44
